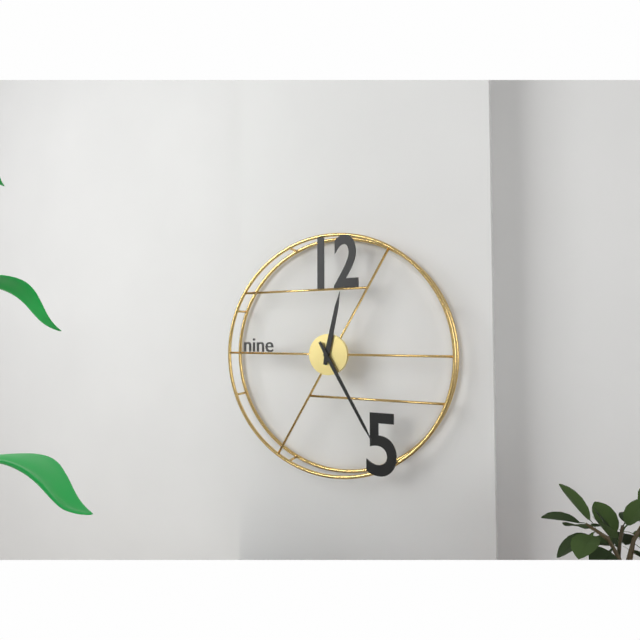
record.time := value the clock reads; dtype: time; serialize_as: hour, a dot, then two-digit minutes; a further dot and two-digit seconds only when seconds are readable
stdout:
12.25
